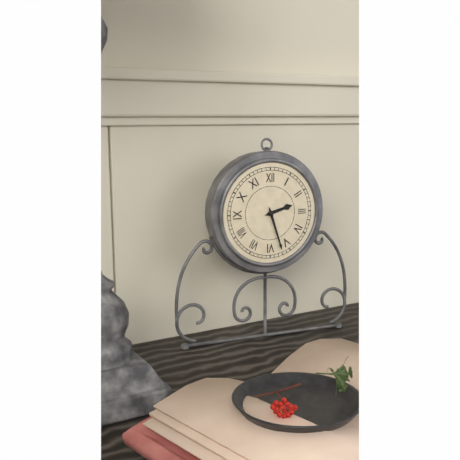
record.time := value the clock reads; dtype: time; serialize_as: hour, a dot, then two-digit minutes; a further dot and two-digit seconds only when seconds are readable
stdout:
2.27
